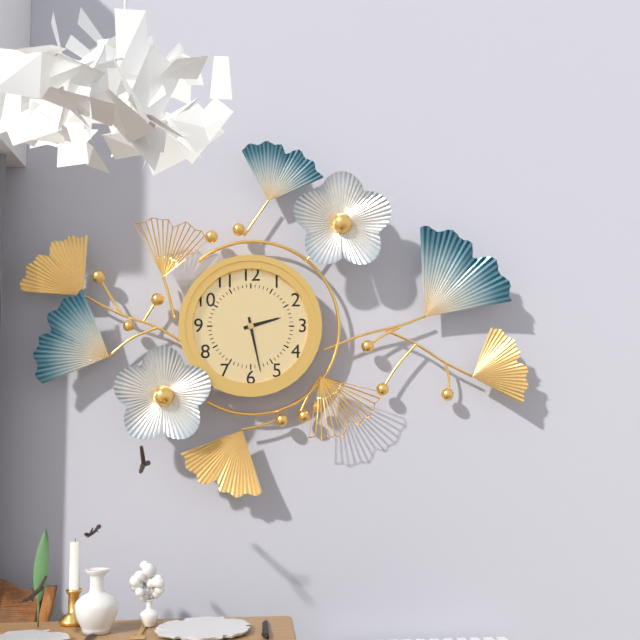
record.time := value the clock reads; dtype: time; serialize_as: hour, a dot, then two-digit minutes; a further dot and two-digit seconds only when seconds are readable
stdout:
2.28
